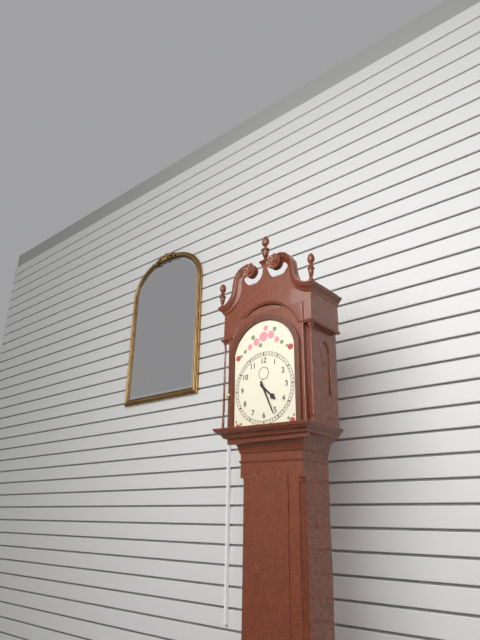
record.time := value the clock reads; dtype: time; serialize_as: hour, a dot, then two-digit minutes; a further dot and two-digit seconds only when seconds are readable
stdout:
4.26
